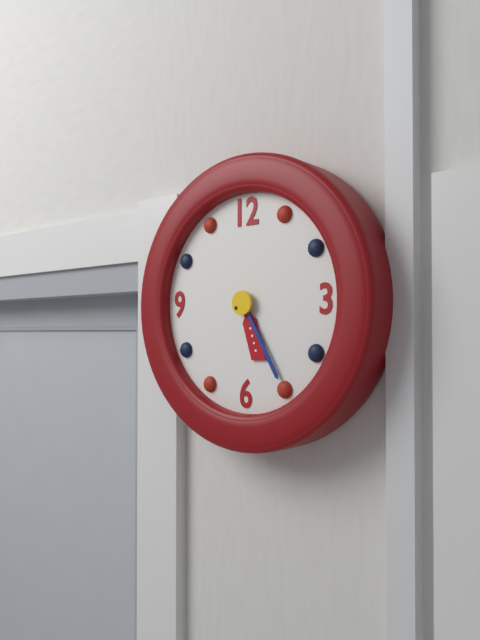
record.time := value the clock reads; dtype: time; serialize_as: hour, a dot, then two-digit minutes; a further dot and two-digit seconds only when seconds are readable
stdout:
5.25
